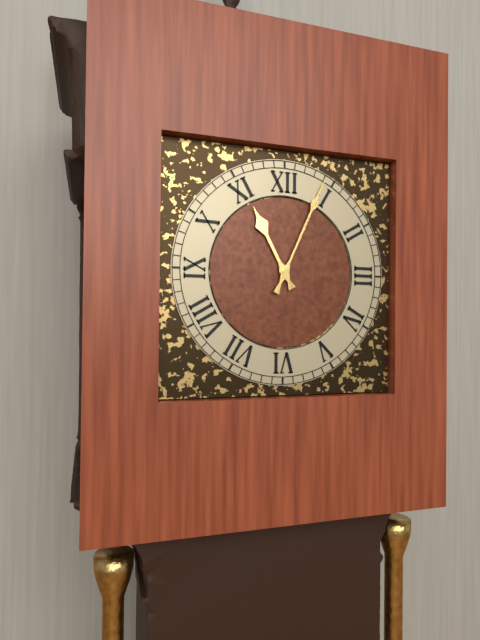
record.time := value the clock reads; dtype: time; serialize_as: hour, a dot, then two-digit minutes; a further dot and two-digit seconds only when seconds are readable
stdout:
11.04
